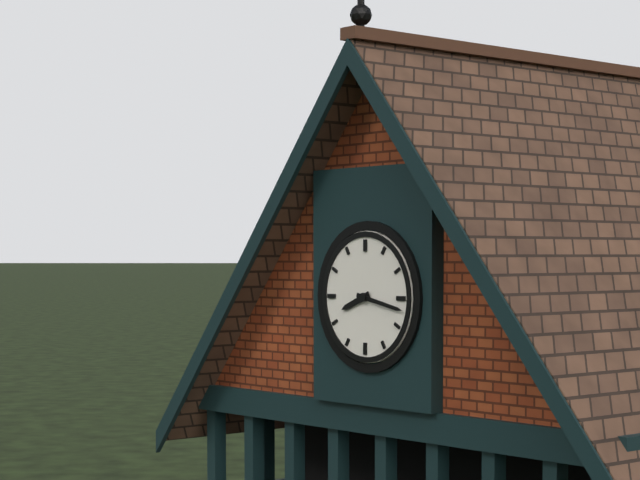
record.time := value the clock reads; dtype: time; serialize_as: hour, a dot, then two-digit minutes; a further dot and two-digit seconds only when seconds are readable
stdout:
8.17
